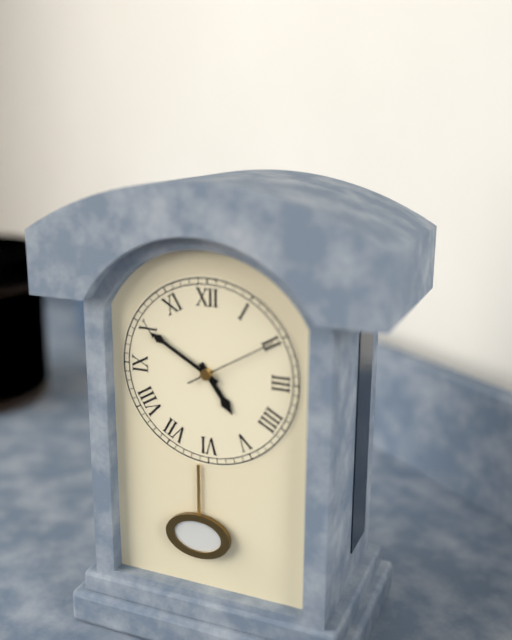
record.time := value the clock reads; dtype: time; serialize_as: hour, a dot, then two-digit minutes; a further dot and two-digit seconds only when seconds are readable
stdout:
4.50
